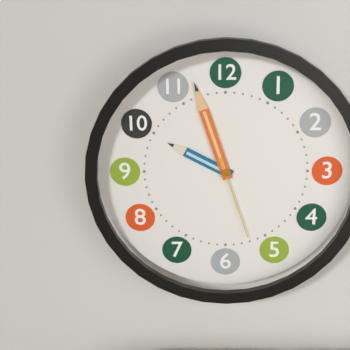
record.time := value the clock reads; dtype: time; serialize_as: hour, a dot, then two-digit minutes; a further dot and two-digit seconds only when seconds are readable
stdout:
9.57.27
